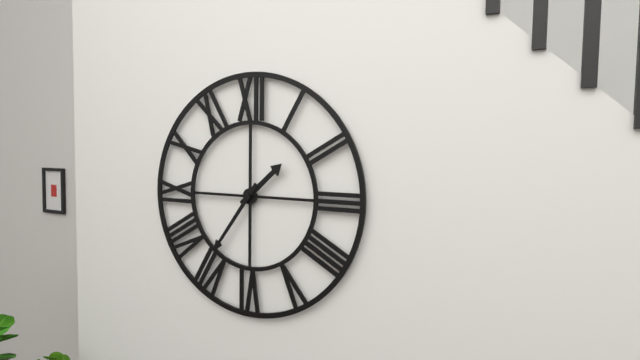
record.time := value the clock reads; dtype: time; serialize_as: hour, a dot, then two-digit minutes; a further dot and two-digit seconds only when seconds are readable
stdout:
1.36
